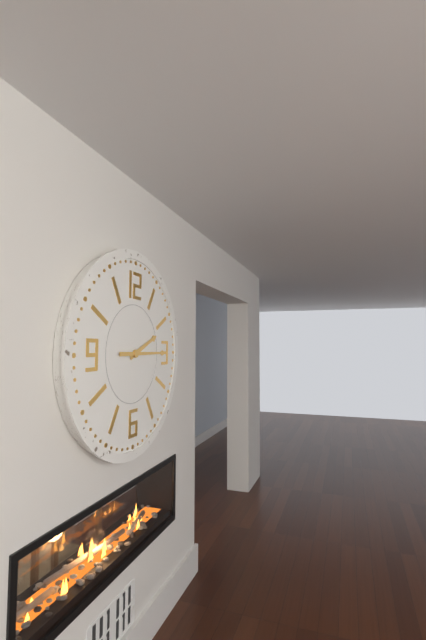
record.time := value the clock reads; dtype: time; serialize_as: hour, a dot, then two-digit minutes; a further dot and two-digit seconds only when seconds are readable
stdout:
2.15
